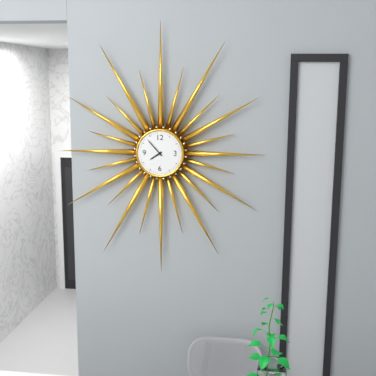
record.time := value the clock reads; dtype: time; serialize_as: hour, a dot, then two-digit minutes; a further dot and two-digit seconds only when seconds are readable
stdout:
7.53
